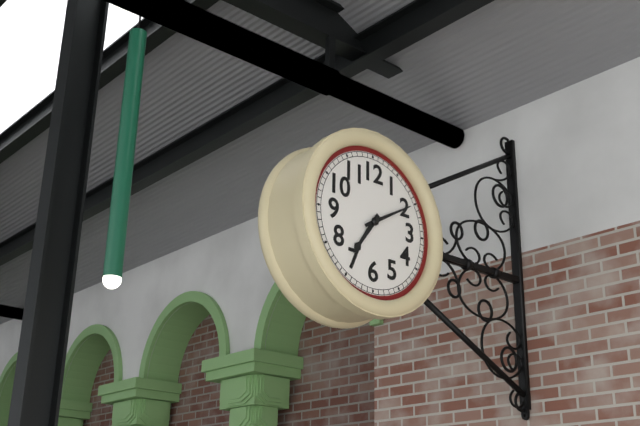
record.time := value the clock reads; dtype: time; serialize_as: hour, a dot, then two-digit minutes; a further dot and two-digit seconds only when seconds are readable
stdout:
7.10
